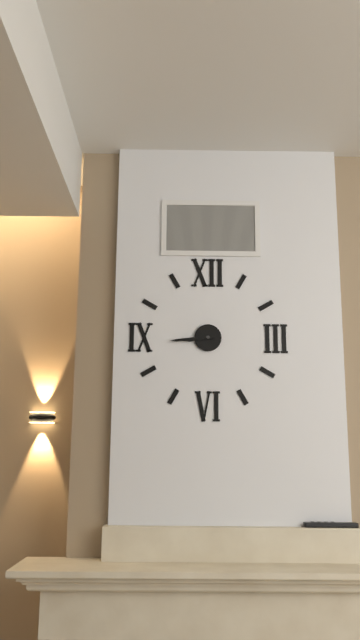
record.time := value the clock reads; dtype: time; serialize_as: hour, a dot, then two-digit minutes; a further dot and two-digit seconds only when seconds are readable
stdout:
8.44
